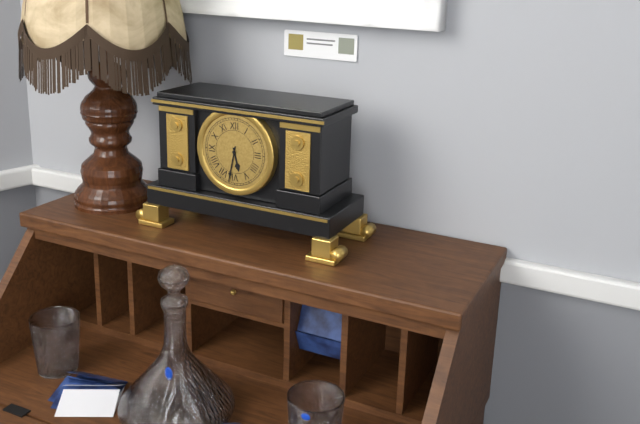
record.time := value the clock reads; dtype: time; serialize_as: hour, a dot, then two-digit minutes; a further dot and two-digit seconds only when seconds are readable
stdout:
5.32
